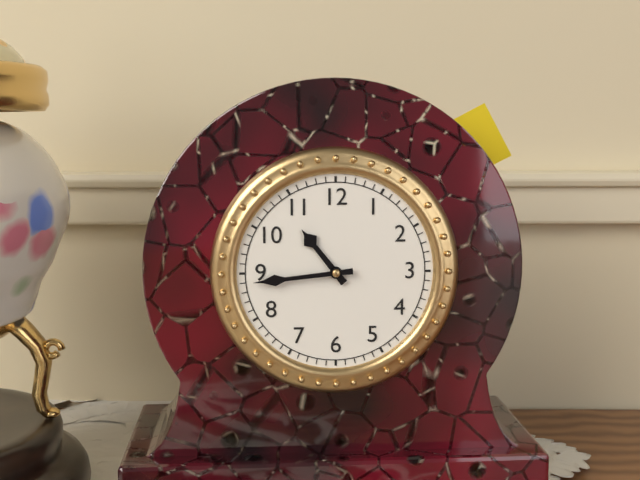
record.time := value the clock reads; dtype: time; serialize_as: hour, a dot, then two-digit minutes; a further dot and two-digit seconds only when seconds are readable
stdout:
10.44
